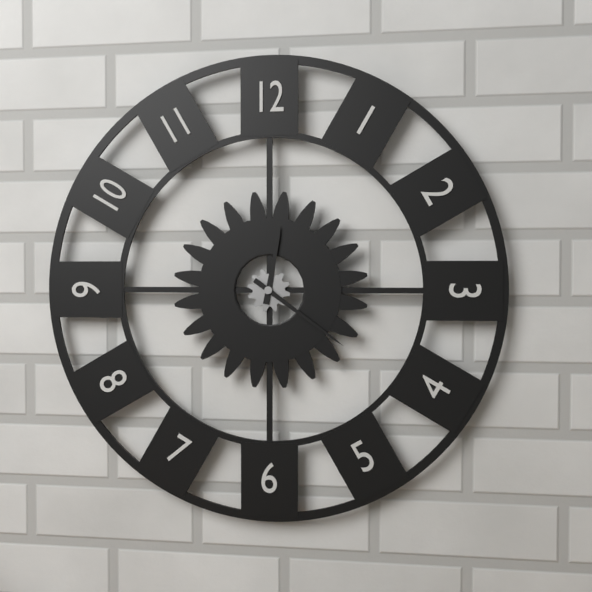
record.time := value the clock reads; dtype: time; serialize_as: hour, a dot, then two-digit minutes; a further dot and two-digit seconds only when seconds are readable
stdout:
12.21
